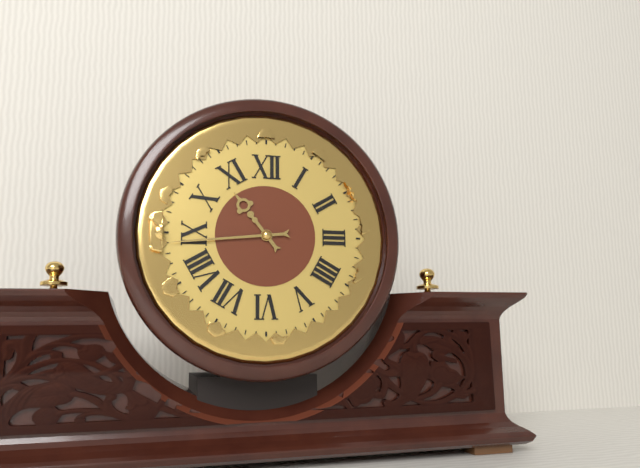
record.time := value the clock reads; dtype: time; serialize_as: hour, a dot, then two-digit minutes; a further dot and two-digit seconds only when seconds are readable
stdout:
10.44
